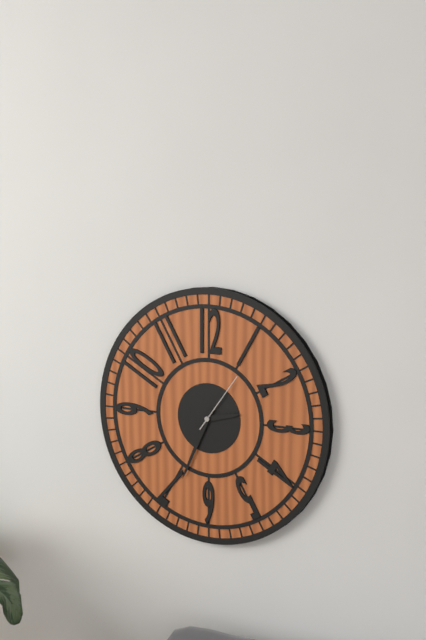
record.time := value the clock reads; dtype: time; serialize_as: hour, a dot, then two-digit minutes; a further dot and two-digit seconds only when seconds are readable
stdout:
2.34.06
